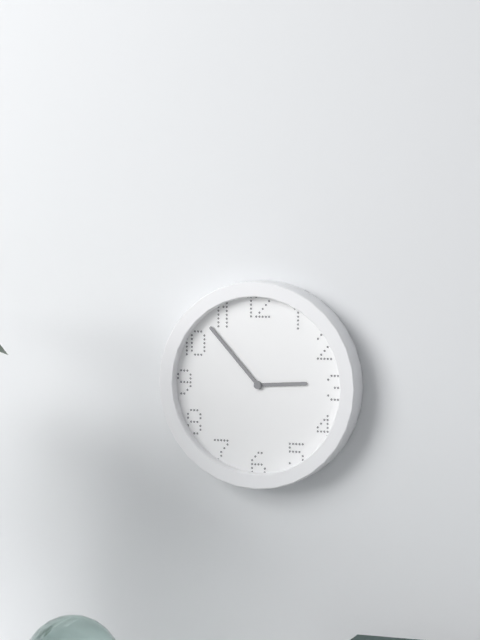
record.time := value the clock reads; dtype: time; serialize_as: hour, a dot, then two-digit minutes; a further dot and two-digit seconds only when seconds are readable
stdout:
2.53
